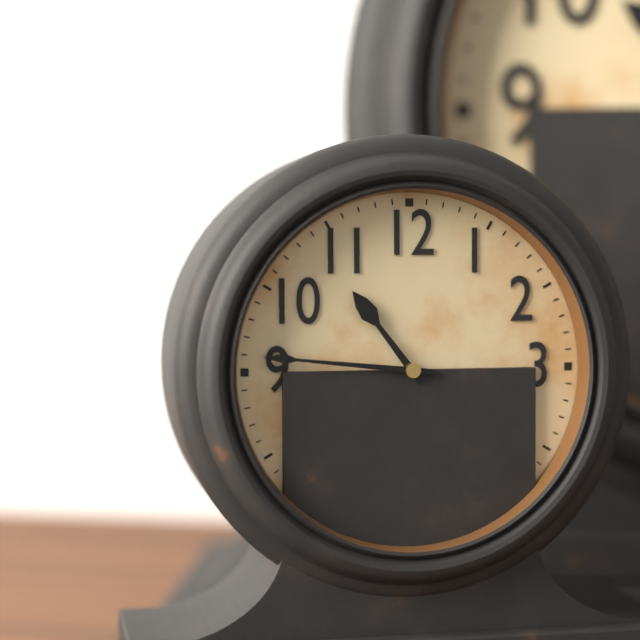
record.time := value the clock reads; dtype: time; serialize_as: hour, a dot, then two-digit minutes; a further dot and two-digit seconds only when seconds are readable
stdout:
10.46
